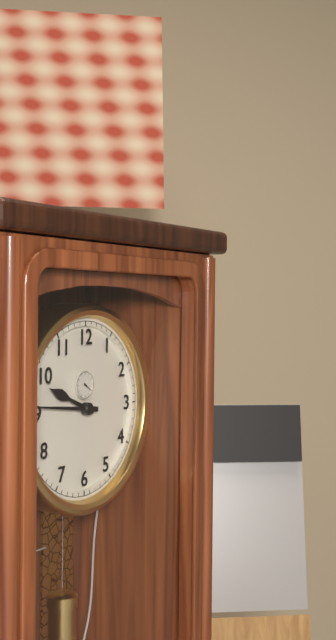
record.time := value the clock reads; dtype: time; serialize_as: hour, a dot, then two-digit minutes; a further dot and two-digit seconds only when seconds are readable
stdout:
9.46
